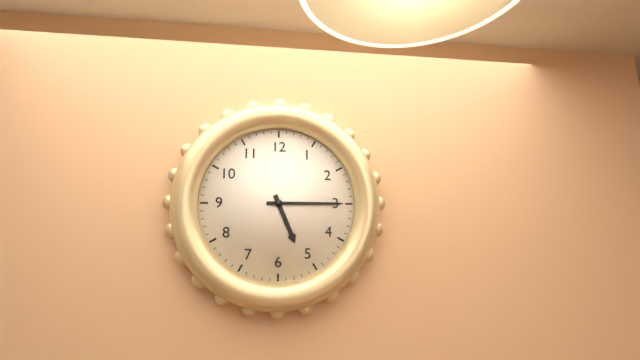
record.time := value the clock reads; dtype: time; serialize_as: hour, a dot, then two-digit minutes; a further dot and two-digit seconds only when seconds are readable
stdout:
5.15
